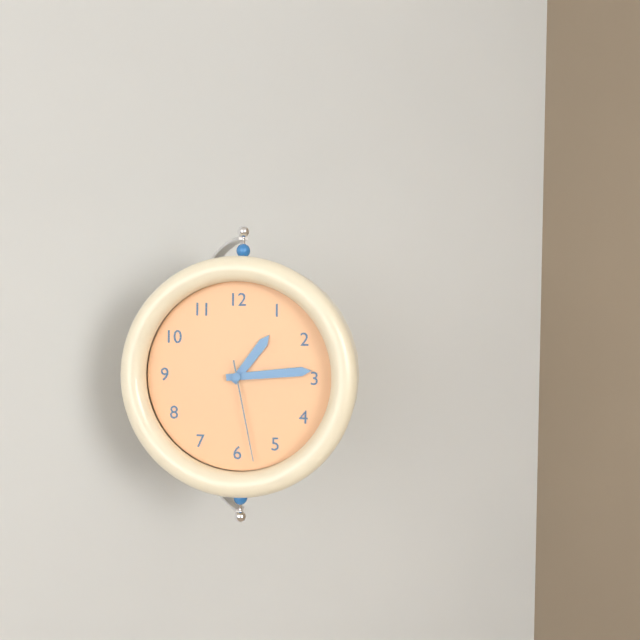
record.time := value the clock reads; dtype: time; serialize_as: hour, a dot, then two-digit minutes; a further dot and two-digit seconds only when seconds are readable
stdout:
1.14.28
